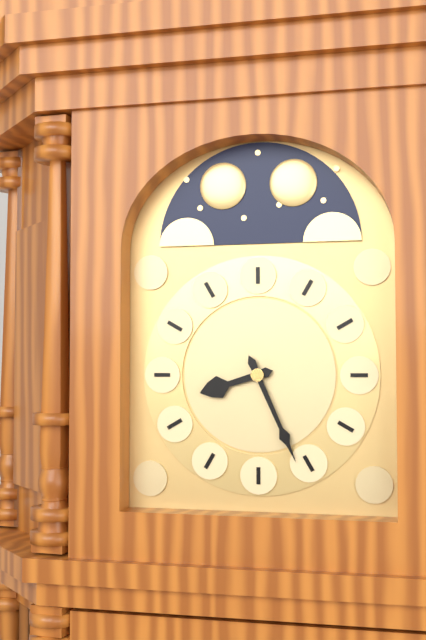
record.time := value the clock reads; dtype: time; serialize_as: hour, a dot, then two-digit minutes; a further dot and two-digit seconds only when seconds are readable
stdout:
8.26
